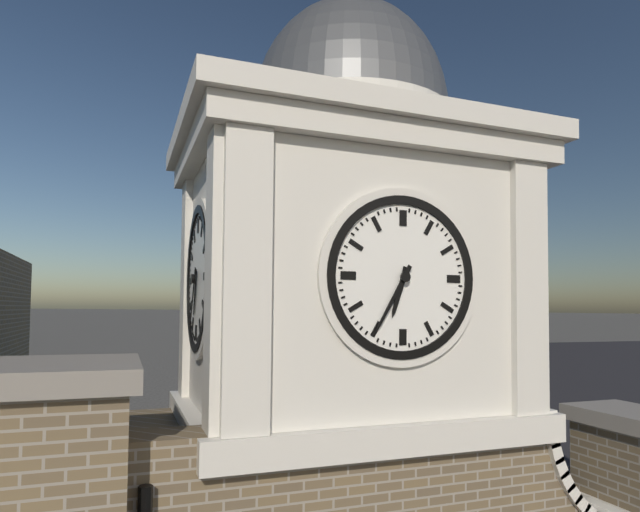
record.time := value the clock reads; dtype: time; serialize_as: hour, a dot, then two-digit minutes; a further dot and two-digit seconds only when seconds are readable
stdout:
6.35
